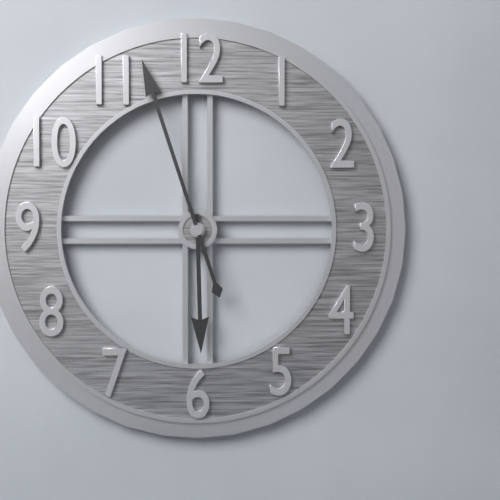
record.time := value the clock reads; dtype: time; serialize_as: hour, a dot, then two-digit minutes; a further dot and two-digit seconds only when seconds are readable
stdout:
5.57
